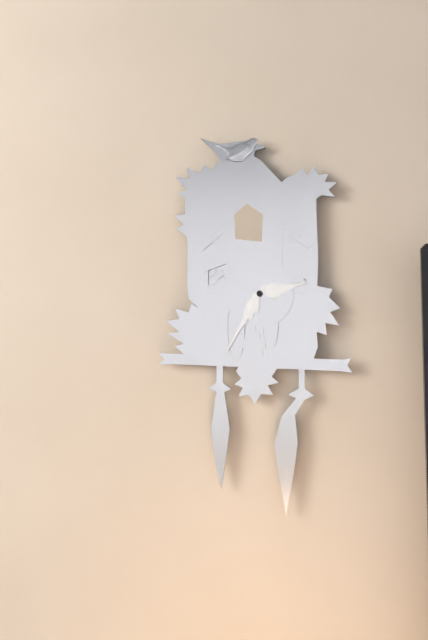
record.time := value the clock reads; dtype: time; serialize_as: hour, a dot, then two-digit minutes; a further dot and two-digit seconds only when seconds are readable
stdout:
2.35
